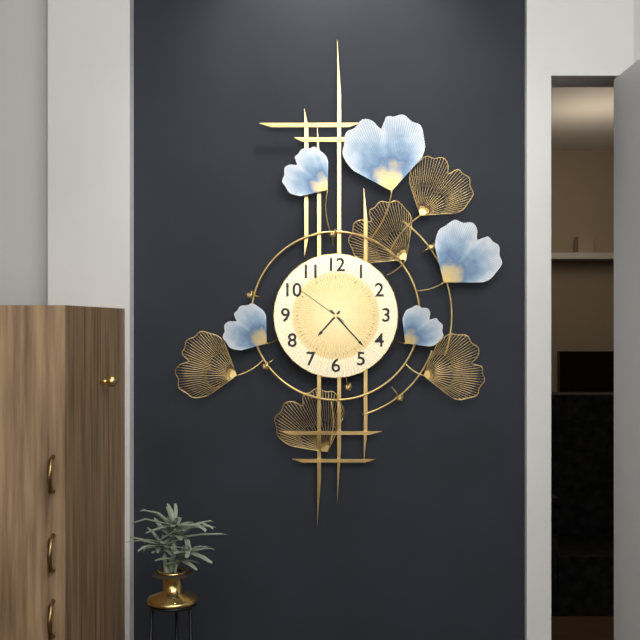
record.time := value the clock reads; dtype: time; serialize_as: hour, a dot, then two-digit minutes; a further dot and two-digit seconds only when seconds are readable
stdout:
7.23.51
